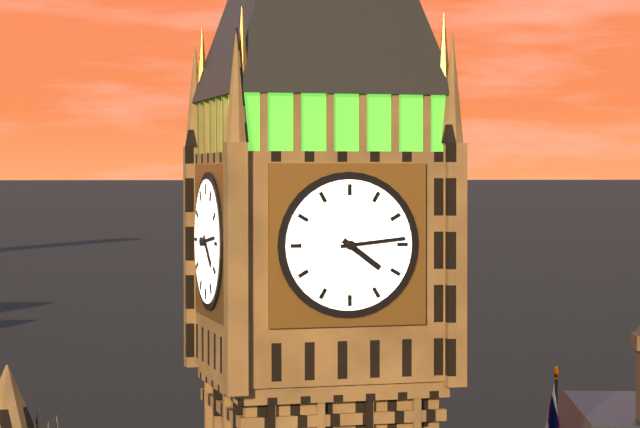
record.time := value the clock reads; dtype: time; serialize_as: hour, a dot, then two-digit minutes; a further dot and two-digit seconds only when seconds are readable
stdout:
4.14
